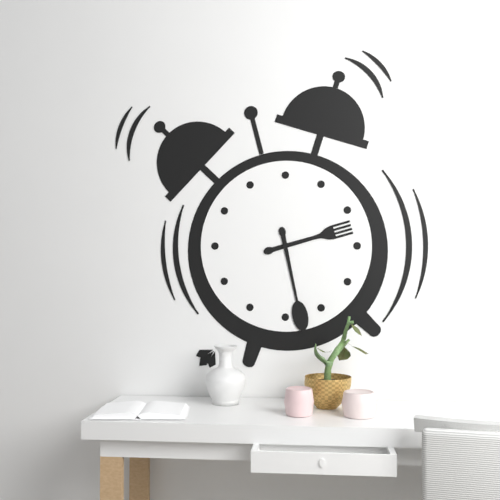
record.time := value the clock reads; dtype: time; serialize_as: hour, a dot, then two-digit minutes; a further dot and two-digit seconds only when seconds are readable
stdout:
2.28
